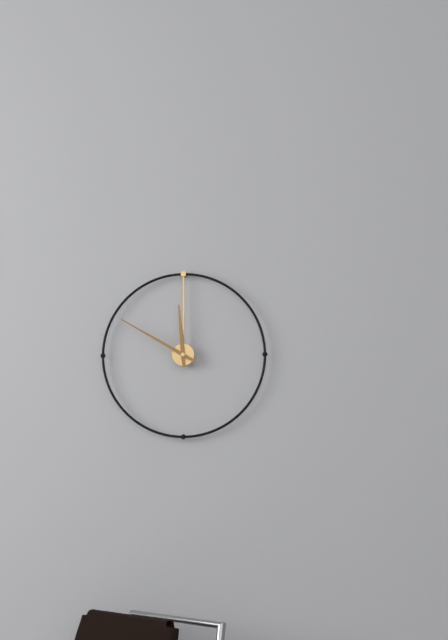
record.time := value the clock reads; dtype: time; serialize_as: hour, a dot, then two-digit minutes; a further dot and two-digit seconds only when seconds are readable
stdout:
11.50
